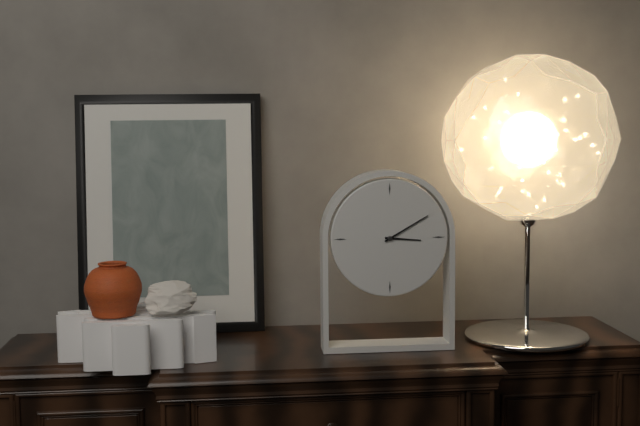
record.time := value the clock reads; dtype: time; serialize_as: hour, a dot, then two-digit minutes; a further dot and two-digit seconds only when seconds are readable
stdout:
3.10
